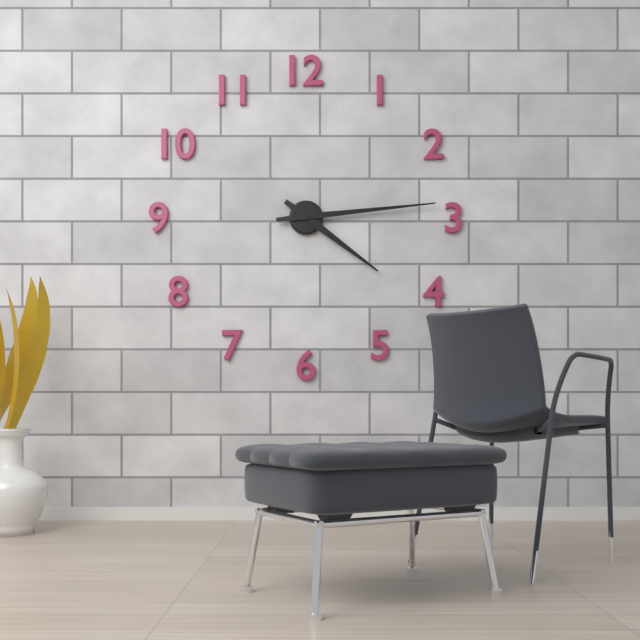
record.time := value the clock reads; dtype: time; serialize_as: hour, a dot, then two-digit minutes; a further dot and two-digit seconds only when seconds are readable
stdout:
4.14
